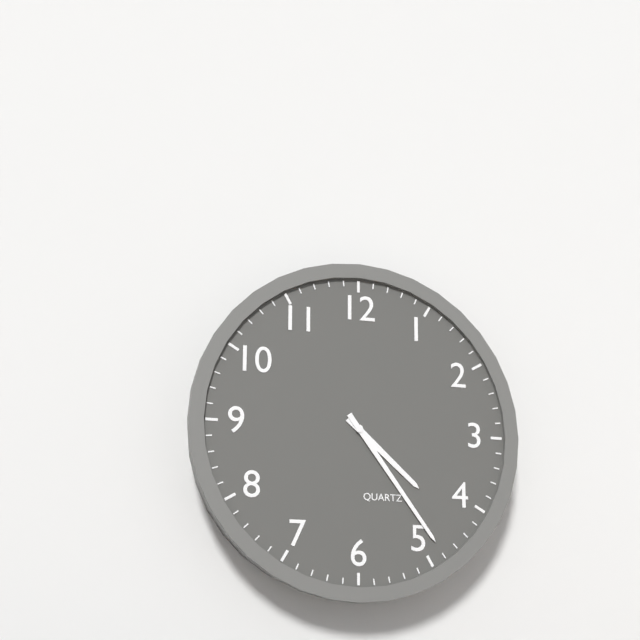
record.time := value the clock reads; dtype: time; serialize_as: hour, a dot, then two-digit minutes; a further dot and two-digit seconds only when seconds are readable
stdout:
4.24
